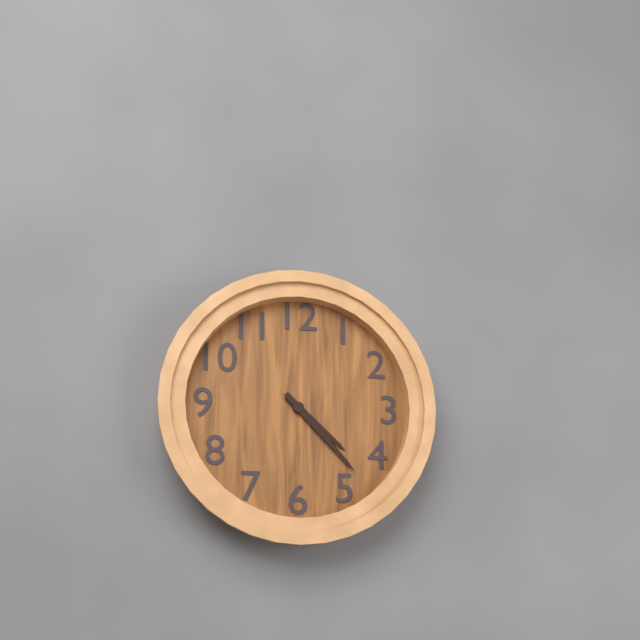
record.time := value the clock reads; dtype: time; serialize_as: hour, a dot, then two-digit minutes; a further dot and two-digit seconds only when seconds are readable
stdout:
4.23
